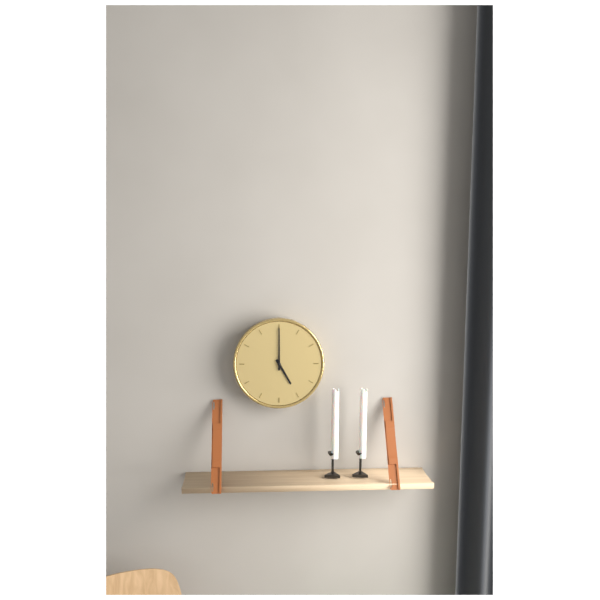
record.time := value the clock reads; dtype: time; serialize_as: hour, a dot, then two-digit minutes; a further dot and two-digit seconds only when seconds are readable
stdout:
5.00
